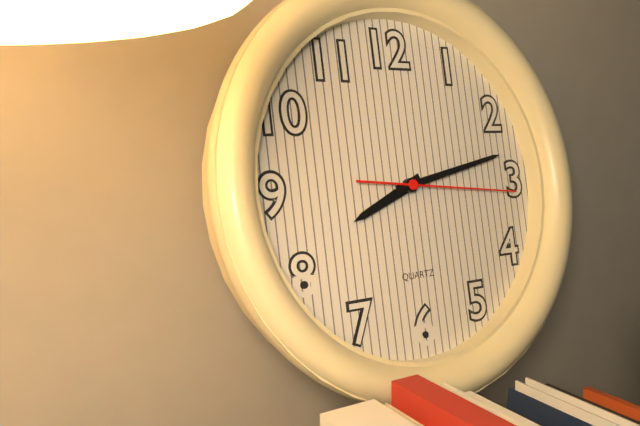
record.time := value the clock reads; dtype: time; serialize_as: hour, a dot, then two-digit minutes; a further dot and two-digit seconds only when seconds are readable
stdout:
8.13.16
